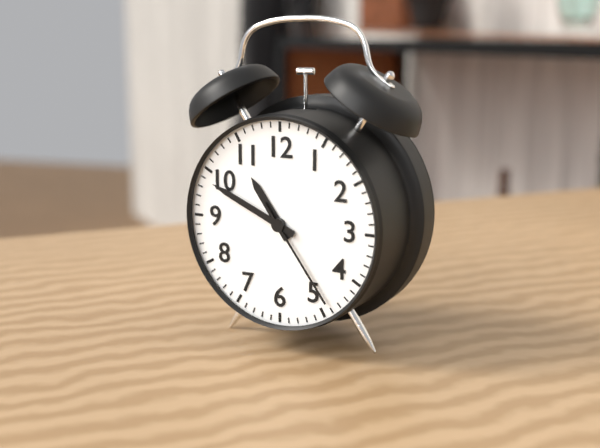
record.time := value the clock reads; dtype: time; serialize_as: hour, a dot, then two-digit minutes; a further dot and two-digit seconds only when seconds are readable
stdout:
10.49.24
